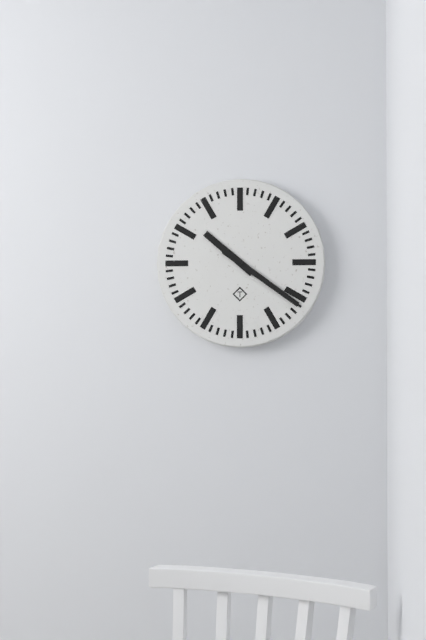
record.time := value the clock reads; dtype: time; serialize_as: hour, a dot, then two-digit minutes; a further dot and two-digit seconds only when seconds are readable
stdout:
10.21
